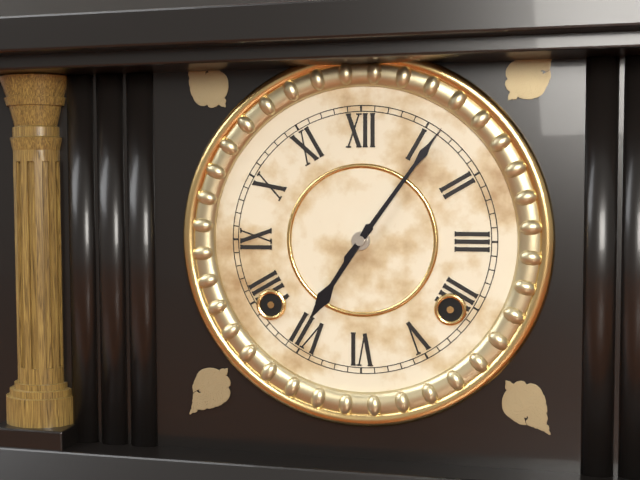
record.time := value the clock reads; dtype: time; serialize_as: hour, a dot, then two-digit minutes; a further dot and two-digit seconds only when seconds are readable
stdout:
7.06
